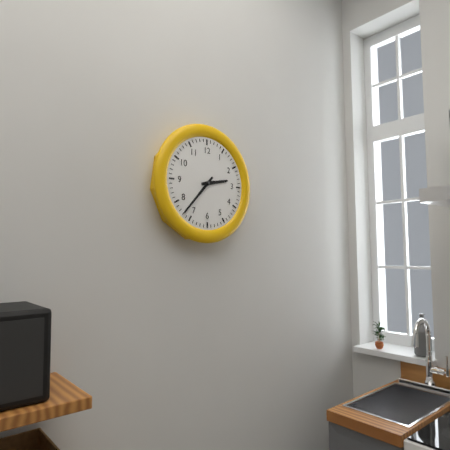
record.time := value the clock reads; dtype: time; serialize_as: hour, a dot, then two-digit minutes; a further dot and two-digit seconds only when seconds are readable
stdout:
2.37
